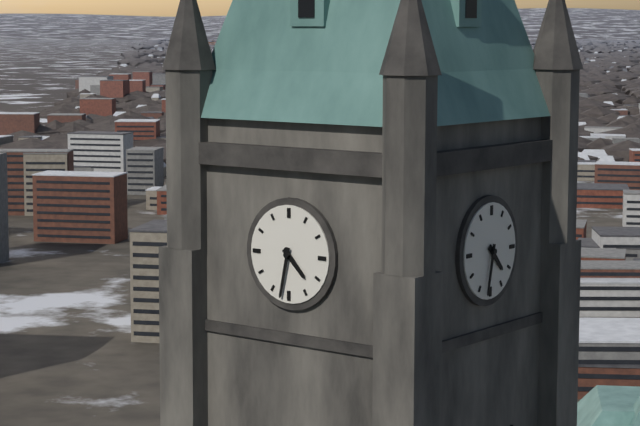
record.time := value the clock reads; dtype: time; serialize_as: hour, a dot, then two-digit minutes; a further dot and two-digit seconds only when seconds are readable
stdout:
4.32
